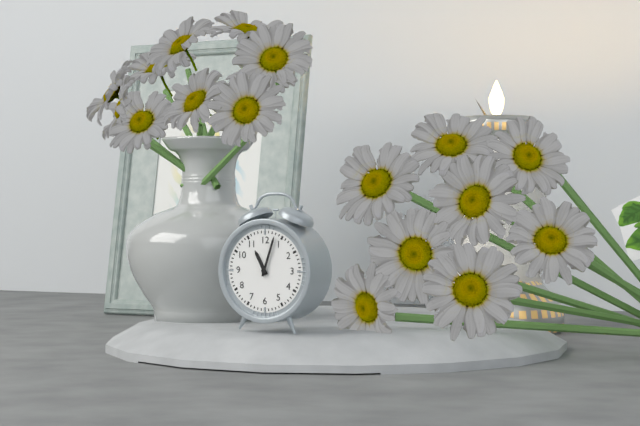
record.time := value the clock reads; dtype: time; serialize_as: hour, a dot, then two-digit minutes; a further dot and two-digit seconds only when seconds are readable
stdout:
11.03
